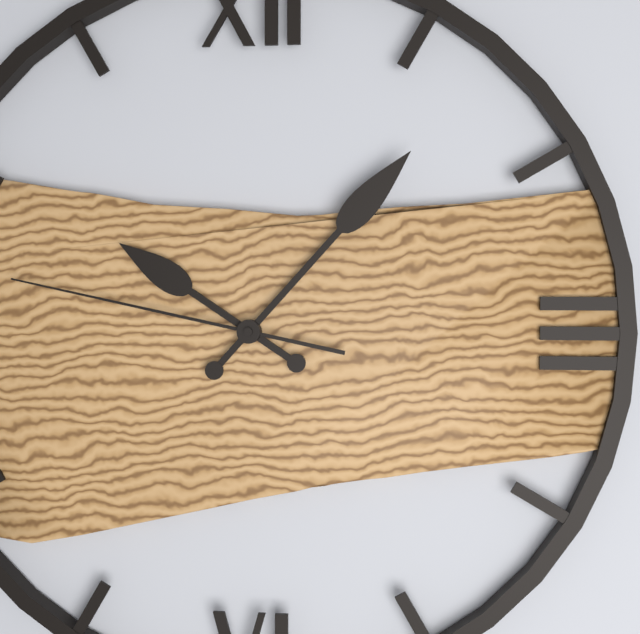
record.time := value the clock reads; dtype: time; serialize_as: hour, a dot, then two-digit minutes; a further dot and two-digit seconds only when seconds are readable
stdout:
10.07.47
